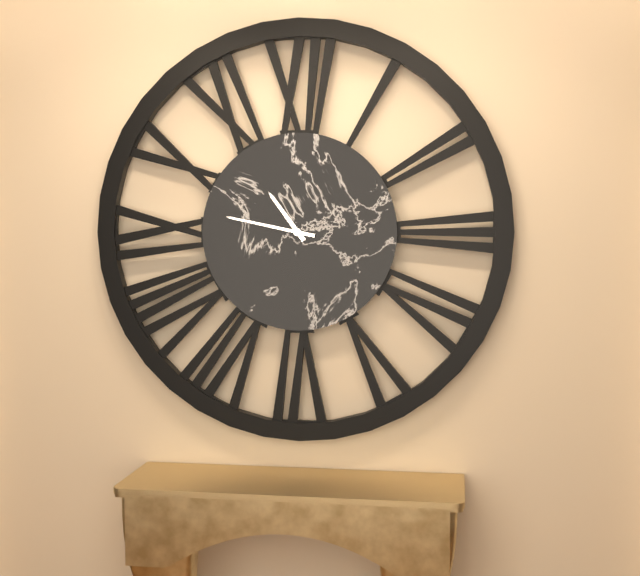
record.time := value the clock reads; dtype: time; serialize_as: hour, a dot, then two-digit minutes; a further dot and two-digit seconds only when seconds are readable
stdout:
10.47
